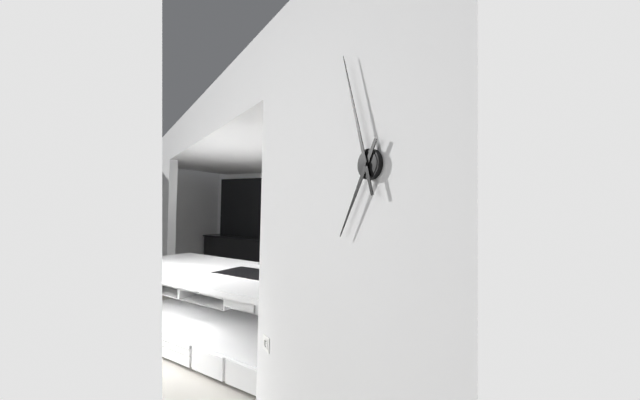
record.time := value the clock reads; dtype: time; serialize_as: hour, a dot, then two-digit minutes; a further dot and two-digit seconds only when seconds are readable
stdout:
6.57
